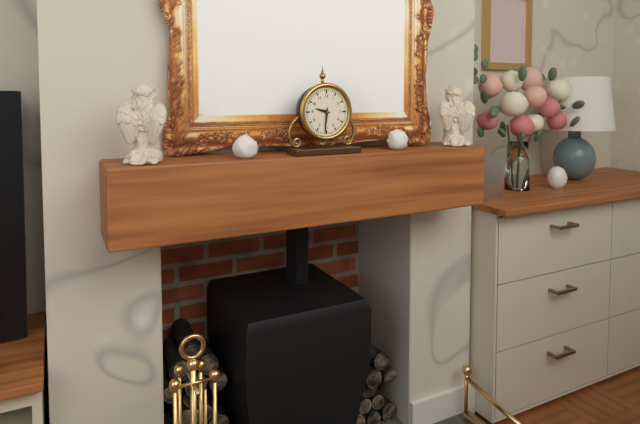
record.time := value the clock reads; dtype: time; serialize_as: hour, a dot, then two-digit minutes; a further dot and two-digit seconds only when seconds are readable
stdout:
9.31
